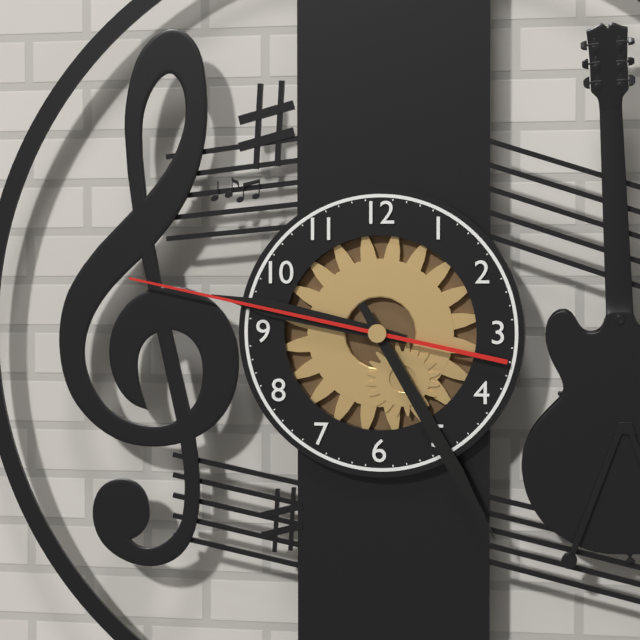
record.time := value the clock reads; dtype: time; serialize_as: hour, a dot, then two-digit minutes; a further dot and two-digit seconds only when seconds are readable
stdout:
9.25.47
